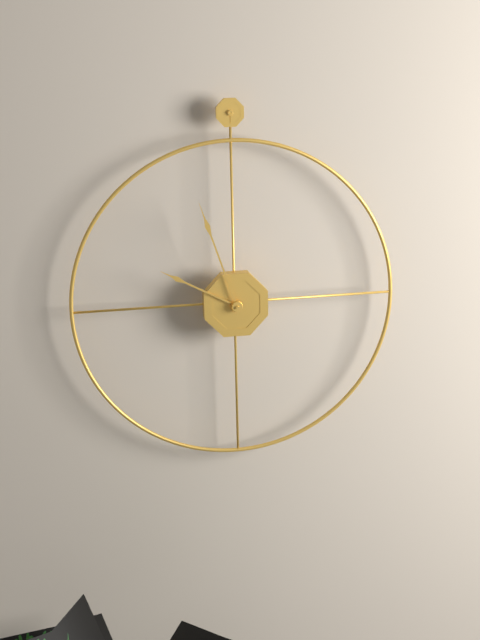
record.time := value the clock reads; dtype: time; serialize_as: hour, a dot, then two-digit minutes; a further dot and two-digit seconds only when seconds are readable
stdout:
9.57
